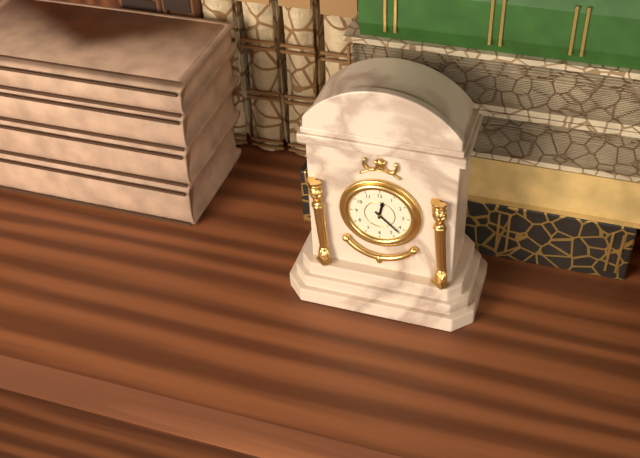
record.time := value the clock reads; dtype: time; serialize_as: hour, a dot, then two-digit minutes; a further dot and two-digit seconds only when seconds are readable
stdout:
12.22
